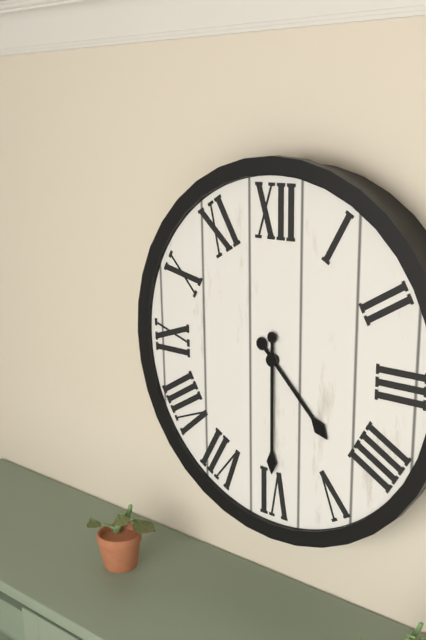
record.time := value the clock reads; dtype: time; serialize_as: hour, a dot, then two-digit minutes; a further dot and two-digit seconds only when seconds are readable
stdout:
4.30
